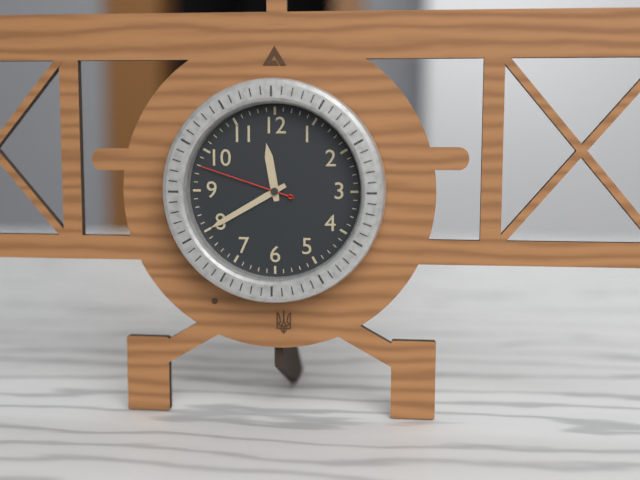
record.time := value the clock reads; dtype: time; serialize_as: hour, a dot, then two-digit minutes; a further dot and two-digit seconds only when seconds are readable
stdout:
11.40.48
